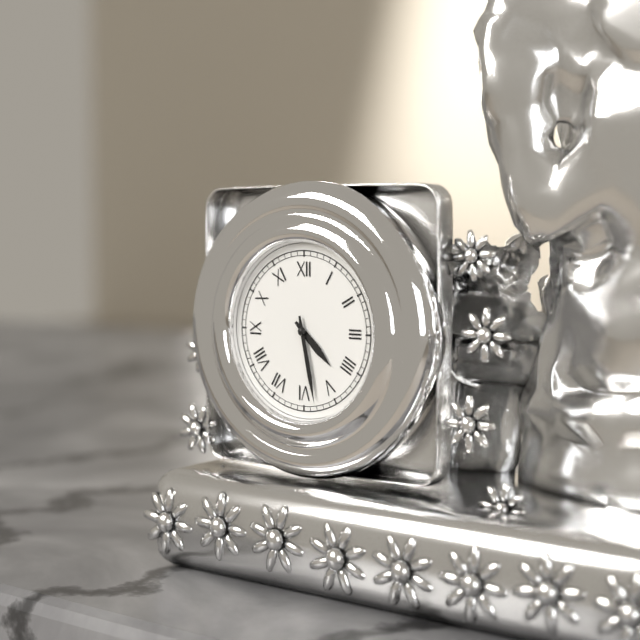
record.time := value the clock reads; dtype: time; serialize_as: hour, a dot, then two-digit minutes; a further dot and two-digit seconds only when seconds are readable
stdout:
4.28
